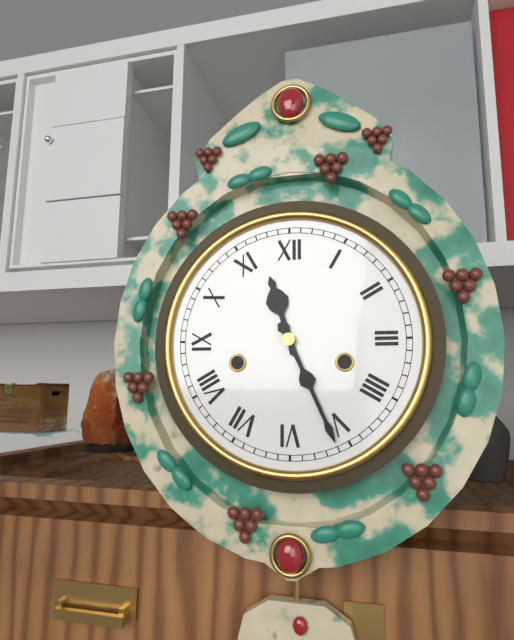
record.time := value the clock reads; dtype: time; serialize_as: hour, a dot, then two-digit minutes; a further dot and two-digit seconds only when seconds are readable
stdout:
11.26
